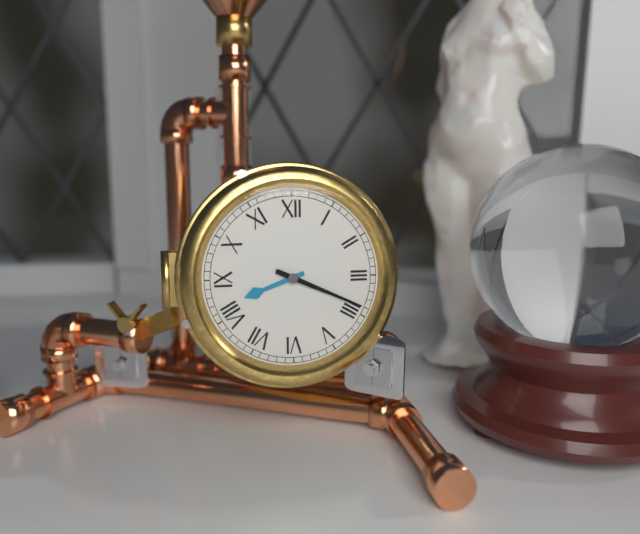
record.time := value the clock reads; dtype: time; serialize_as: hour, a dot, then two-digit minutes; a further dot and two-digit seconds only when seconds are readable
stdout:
8.19
